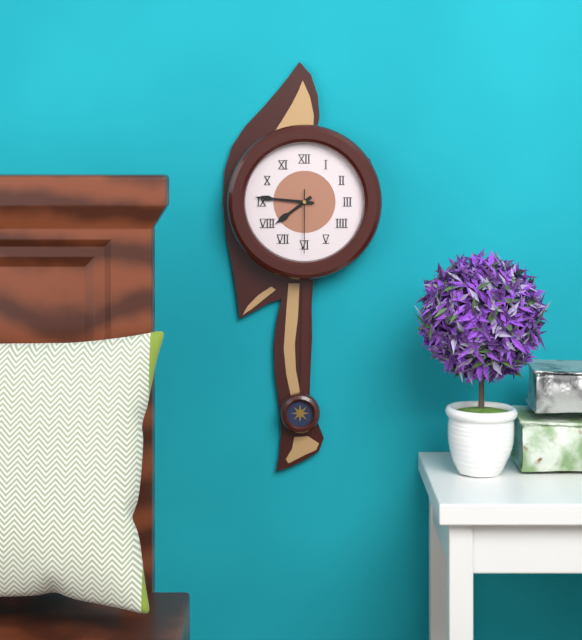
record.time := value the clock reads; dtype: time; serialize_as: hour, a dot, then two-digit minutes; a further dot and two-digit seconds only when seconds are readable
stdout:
7.46.30
